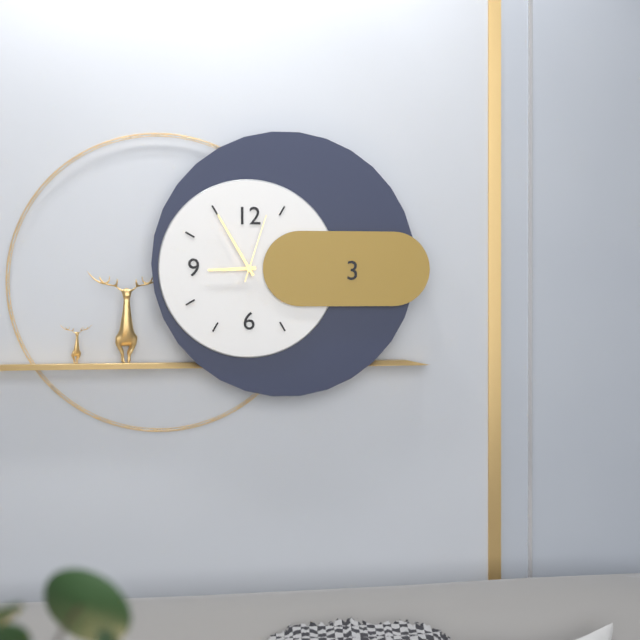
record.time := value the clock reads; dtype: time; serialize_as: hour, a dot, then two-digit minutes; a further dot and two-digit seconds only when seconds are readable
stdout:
8.55.03
